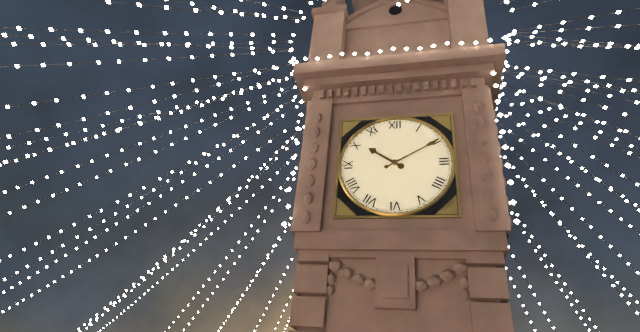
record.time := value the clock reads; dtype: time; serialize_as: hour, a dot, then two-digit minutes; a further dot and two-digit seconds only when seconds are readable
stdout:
10.10
